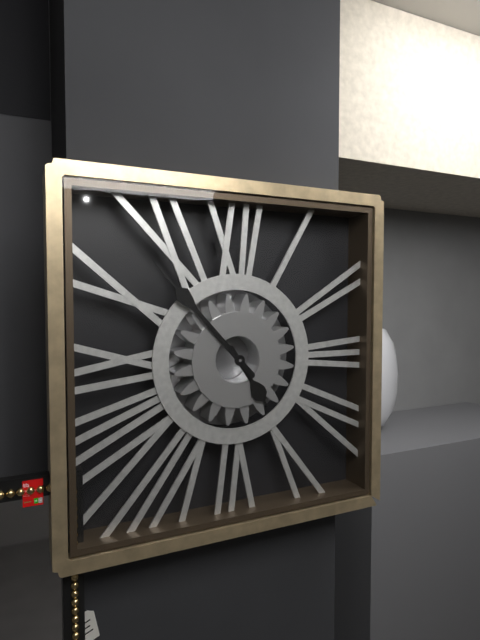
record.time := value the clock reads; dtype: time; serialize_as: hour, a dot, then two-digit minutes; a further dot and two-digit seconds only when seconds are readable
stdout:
4.53
